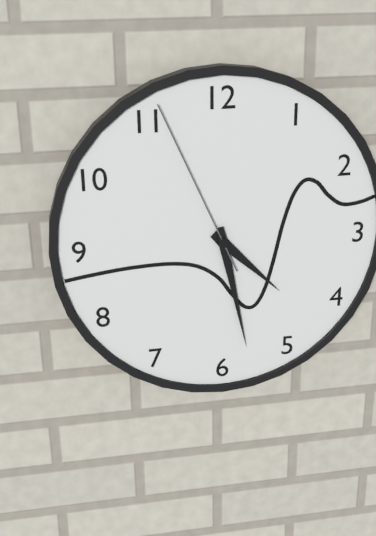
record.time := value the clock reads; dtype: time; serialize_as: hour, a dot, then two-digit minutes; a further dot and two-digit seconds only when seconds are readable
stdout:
4.28.56
